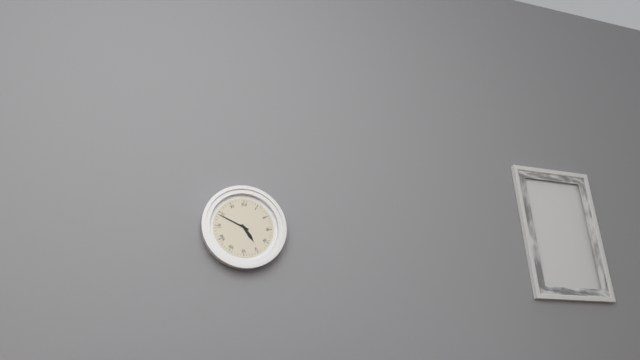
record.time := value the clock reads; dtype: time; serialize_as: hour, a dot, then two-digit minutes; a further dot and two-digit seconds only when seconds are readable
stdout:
4.49
